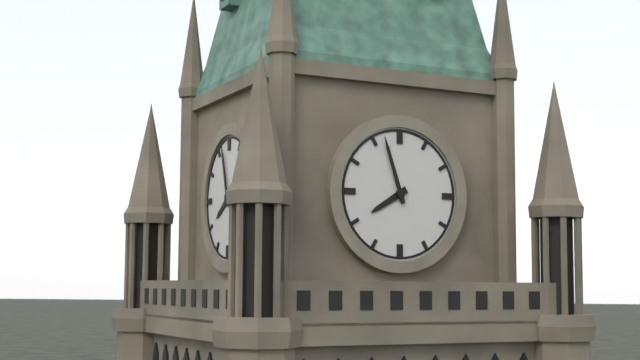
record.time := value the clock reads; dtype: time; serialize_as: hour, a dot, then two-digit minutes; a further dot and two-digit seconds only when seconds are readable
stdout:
7.57
